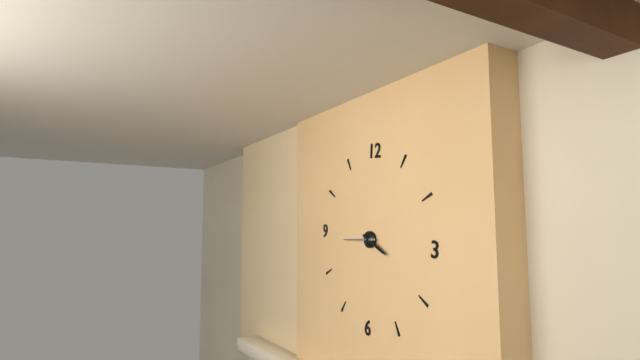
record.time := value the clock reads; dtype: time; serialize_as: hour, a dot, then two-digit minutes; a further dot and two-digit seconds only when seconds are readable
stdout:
3.44
